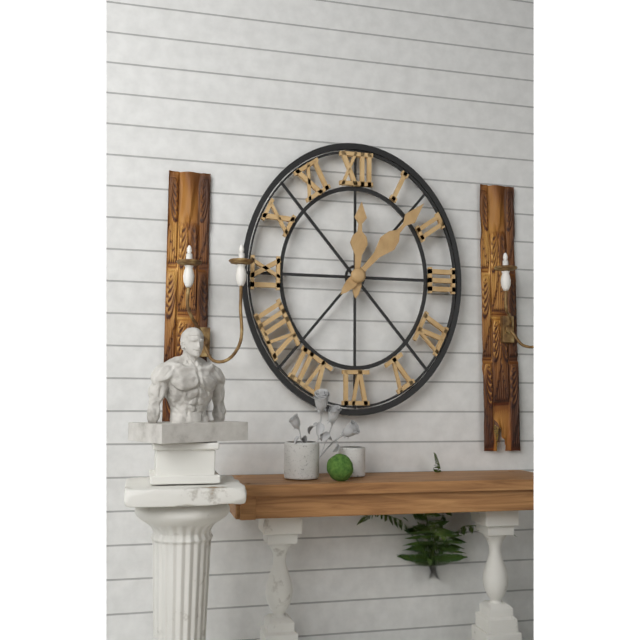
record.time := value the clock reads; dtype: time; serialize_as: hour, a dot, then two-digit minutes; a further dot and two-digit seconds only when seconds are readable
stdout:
12.07
